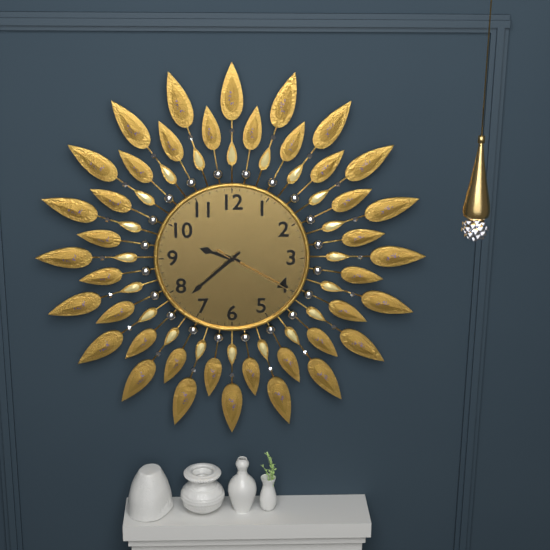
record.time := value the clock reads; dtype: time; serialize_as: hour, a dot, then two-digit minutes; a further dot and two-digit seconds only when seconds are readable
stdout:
9.38.20
